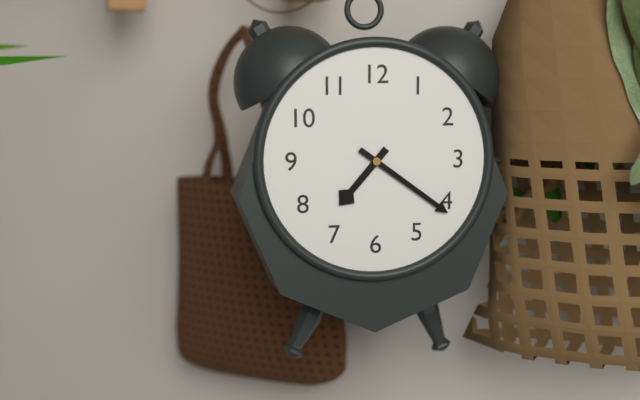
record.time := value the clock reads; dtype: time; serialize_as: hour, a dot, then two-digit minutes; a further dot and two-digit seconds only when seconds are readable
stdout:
7.21
